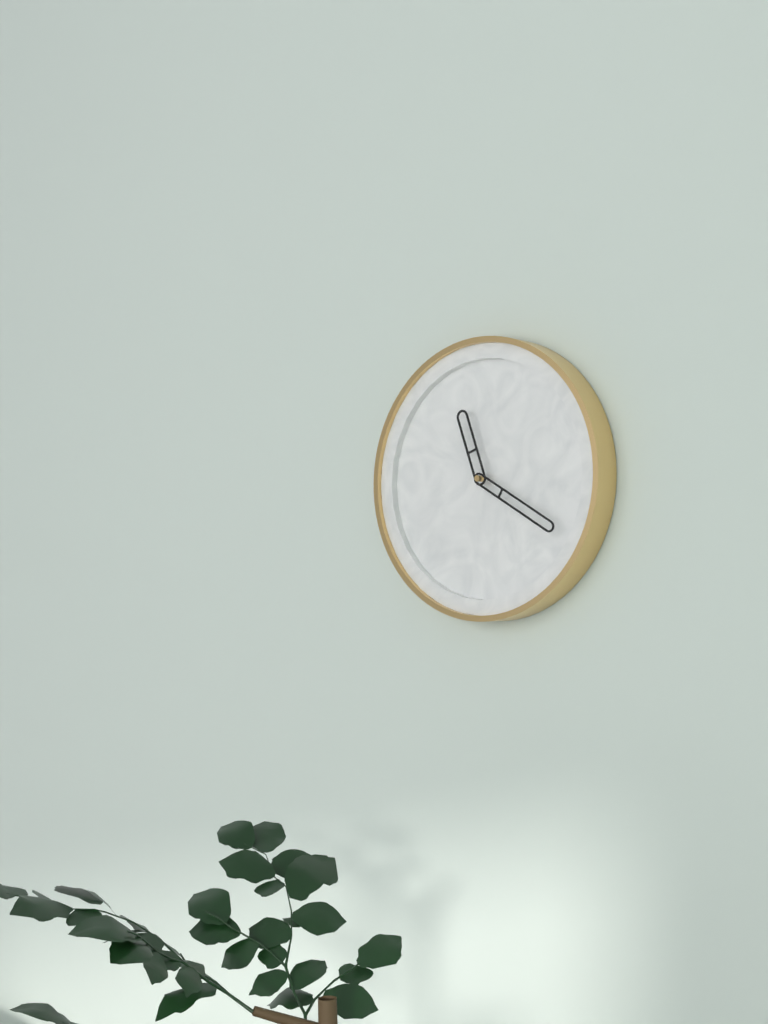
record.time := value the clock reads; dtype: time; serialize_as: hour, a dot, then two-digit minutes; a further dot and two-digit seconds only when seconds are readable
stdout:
11.20
